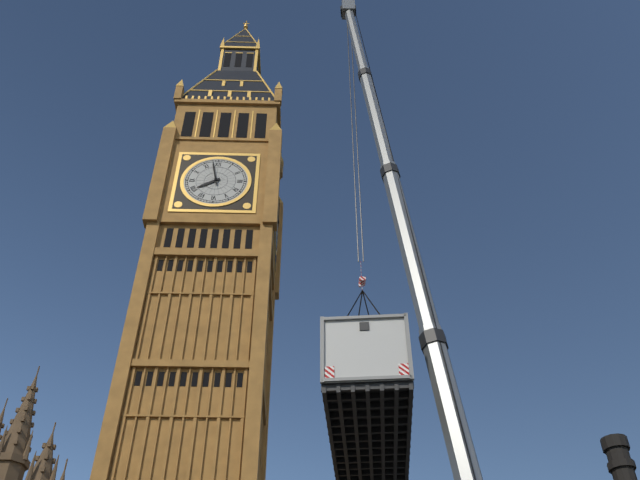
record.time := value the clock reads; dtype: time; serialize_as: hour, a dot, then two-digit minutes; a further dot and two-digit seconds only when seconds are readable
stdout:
7.58
